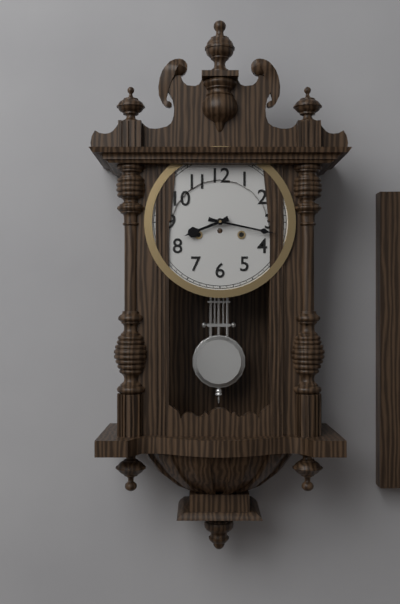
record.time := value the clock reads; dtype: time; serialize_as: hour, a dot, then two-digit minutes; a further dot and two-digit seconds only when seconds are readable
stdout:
8.17
